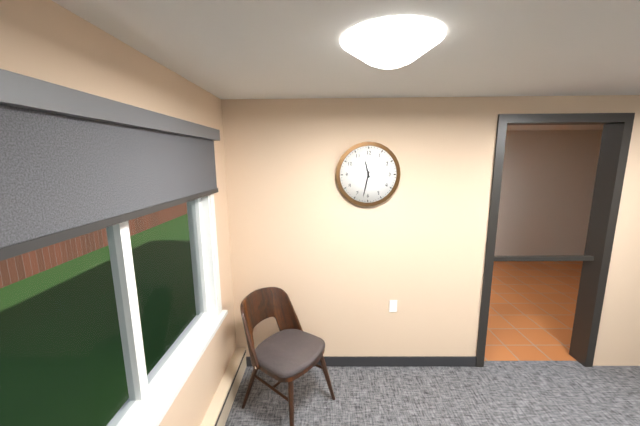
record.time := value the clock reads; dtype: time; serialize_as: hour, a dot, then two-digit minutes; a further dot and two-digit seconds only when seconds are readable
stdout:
11.32
